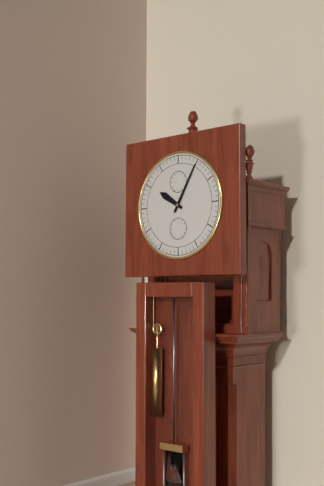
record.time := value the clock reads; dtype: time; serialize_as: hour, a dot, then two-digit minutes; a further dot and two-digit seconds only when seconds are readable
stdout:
10.05
